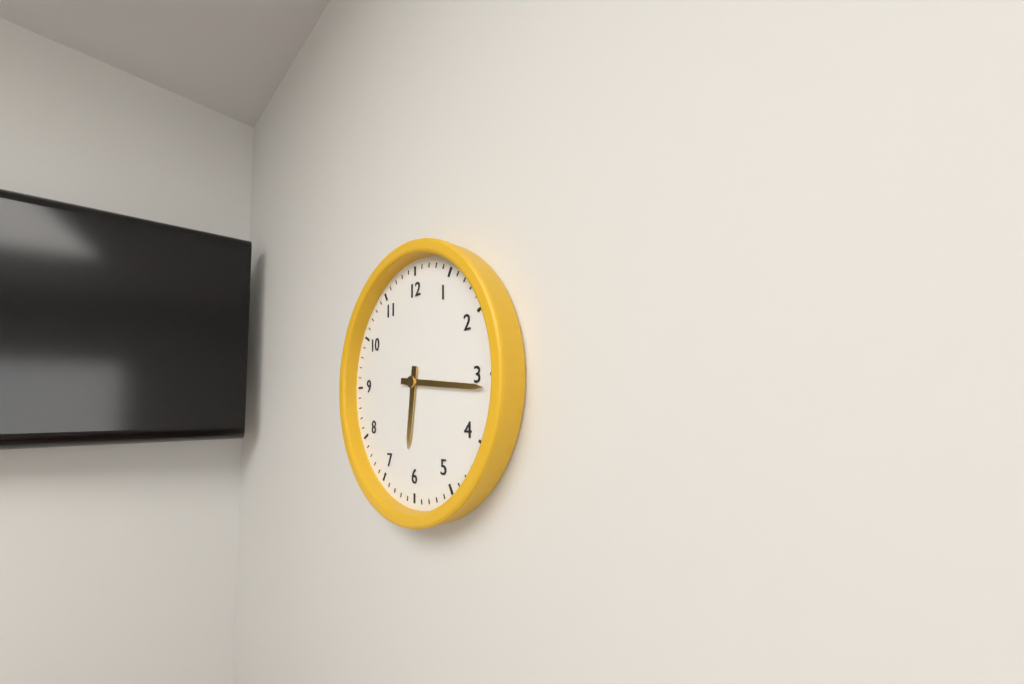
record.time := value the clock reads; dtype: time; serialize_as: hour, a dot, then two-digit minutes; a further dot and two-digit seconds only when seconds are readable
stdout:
6.16
